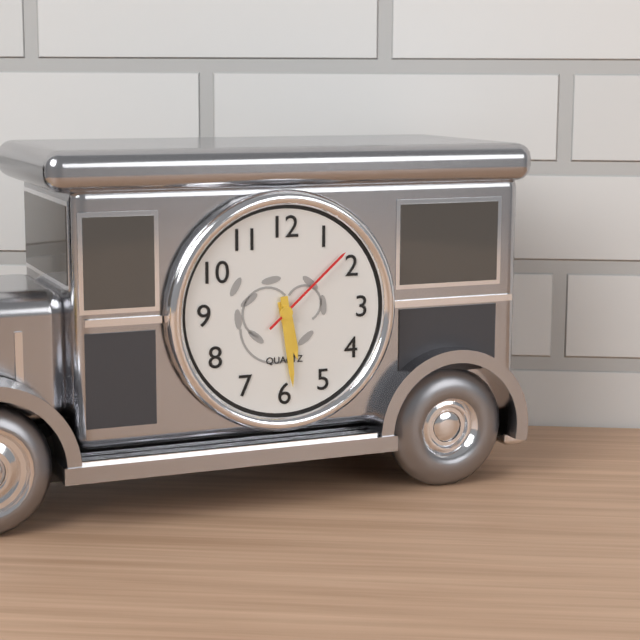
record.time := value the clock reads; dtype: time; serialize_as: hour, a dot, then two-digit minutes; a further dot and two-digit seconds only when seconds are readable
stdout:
5.29.08
